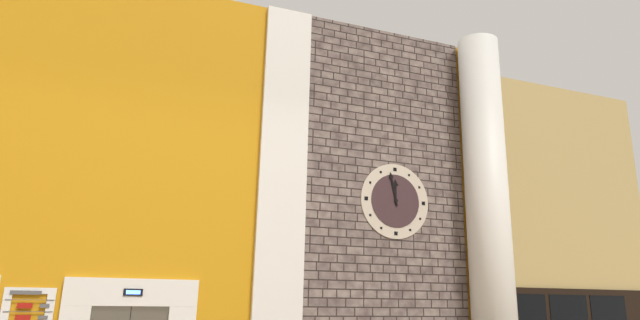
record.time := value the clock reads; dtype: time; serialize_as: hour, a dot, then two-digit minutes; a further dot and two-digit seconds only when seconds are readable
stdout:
11.58
